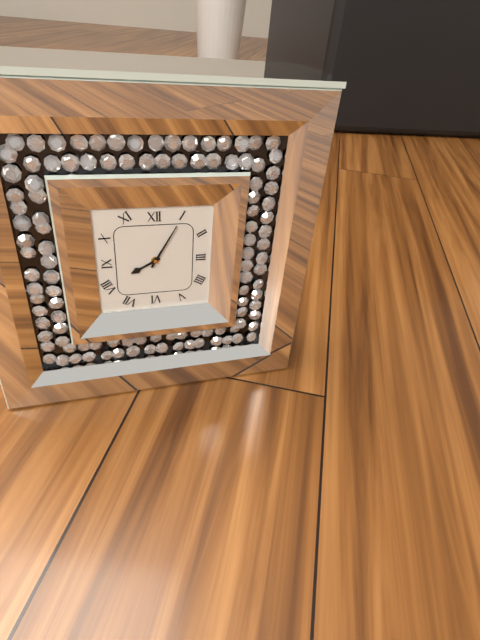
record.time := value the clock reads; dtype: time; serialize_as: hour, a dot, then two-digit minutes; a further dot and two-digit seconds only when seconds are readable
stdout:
8.05
